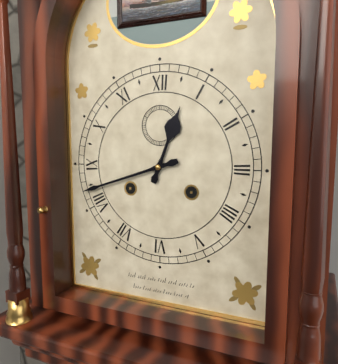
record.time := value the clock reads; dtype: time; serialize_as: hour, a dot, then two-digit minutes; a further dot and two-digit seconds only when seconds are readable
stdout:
12.42
